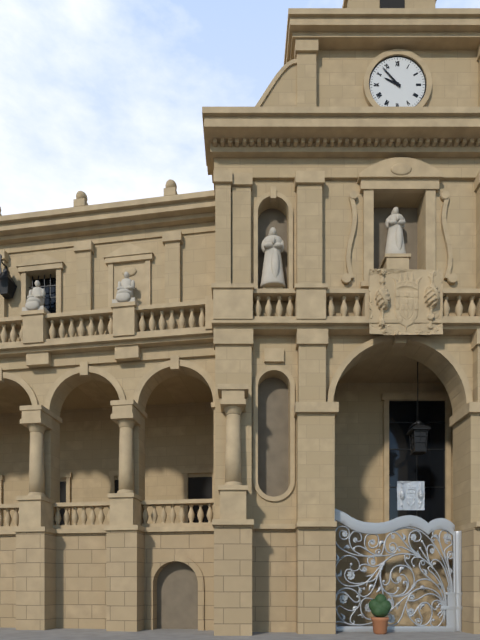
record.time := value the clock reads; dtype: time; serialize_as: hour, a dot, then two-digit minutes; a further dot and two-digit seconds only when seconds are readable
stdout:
9.53
